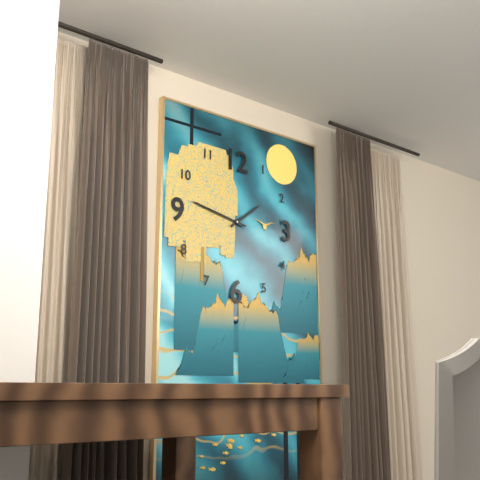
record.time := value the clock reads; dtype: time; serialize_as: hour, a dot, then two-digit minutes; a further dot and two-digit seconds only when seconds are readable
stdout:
1.47
